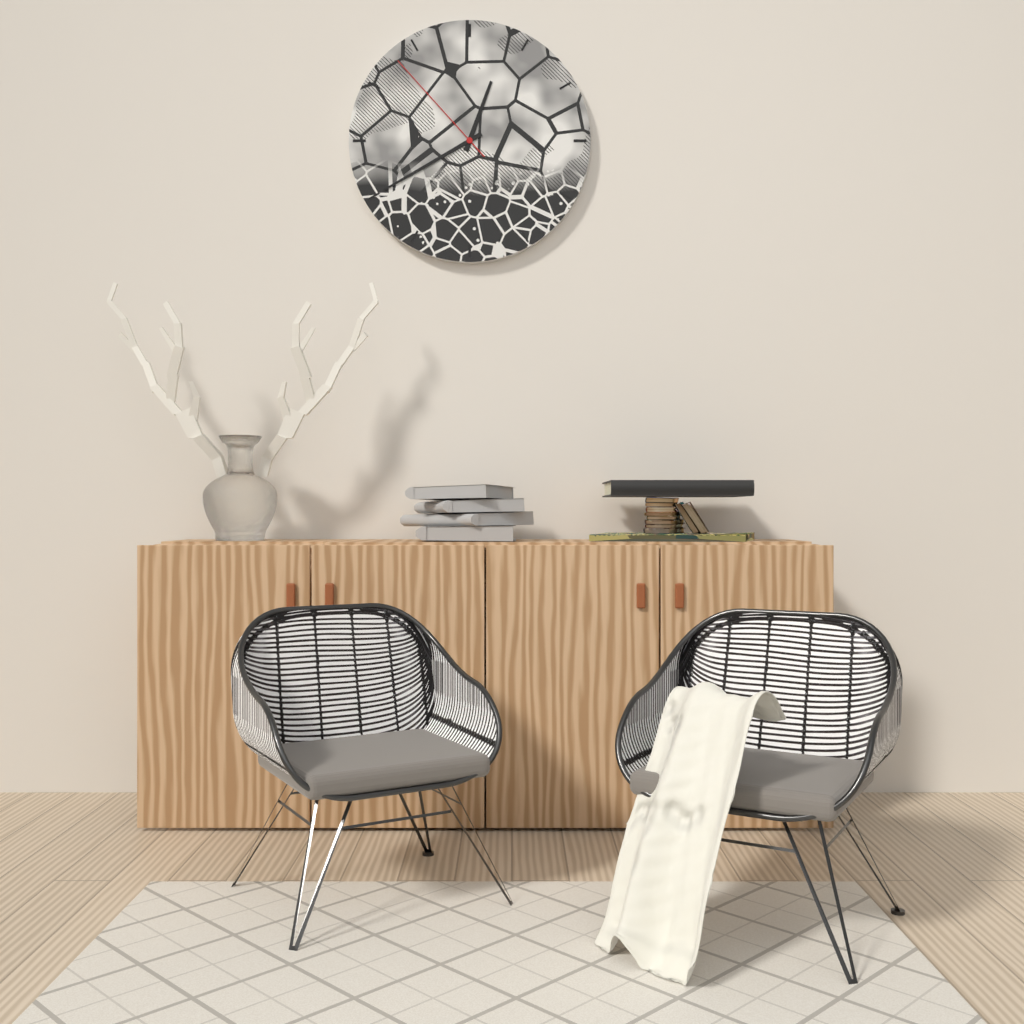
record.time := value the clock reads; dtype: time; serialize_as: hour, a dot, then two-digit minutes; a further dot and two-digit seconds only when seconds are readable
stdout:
12.40.53
